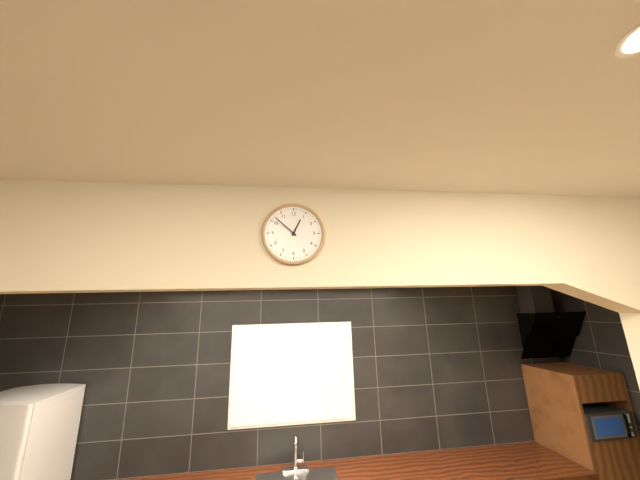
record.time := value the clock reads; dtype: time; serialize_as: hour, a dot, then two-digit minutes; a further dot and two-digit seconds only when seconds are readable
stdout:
12.52
